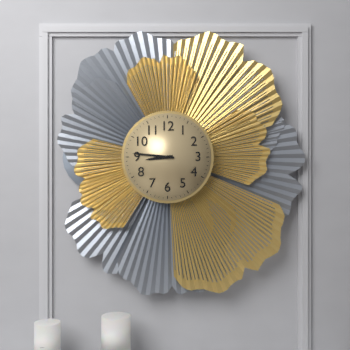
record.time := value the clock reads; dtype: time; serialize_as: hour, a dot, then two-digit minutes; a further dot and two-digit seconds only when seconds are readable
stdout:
8.46
